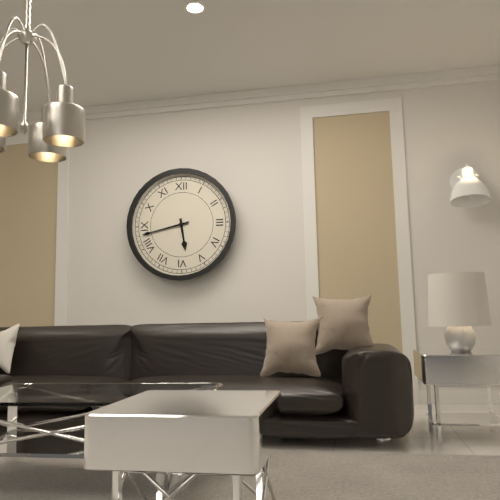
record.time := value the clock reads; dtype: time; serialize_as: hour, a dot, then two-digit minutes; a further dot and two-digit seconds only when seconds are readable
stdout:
5.43
